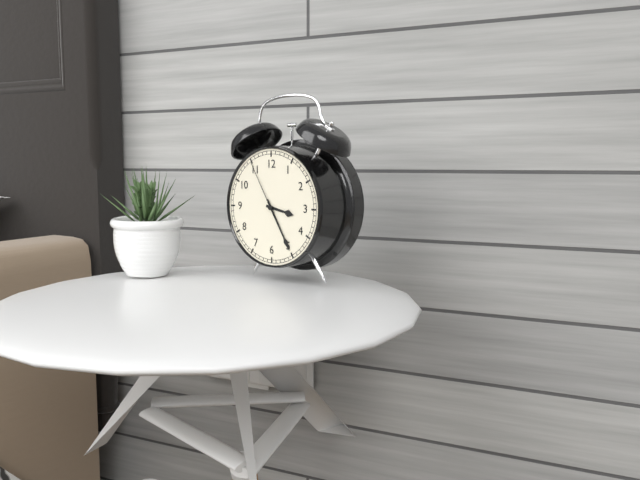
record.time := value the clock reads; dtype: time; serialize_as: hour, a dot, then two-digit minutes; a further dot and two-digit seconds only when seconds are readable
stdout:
3.25.55
